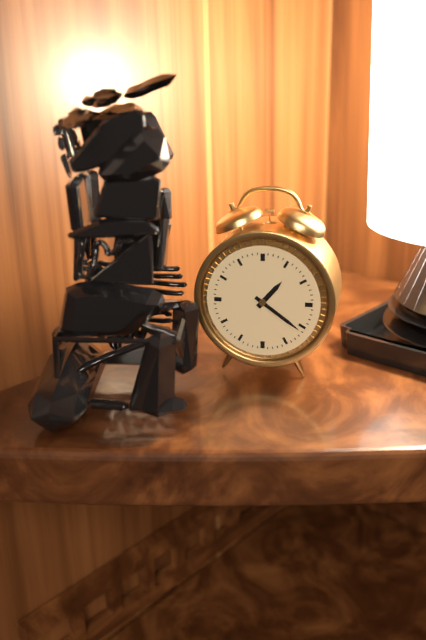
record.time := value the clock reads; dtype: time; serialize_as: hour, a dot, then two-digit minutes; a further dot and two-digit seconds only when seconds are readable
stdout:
1.21
